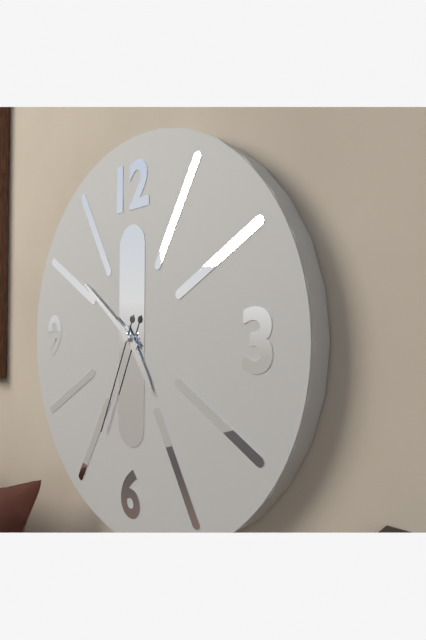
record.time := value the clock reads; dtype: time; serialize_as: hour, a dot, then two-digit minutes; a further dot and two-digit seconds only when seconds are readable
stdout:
4.51.34
